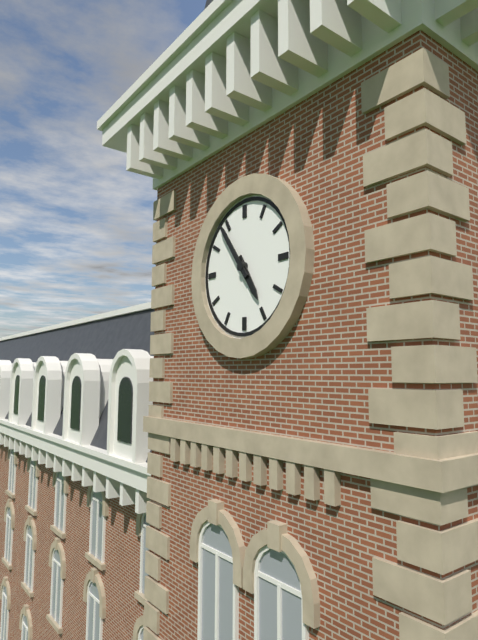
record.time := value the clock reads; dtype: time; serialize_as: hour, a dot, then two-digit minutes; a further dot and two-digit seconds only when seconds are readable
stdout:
4.54
